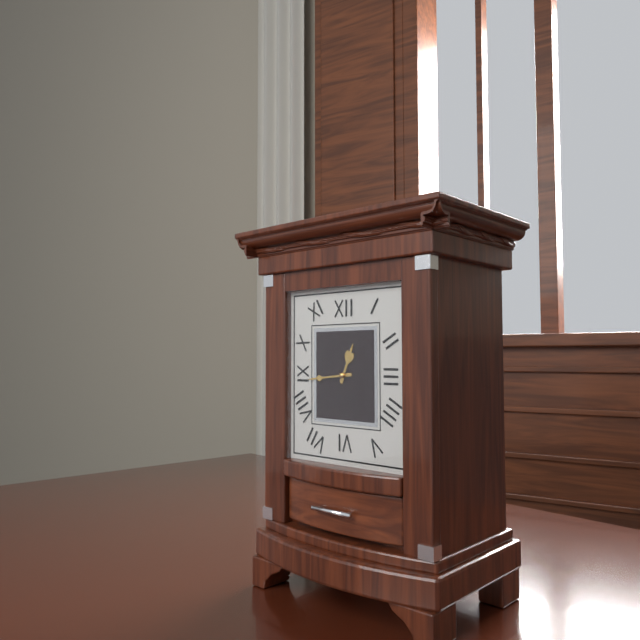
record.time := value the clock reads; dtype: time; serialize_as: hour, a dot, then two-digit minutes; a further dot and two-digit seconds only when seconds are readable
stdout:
12.44
